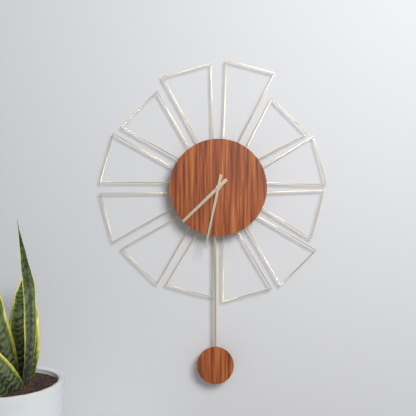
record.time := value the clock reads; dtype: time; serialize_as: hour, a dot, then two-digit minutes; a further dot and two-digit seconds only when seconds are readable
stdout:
7.32
